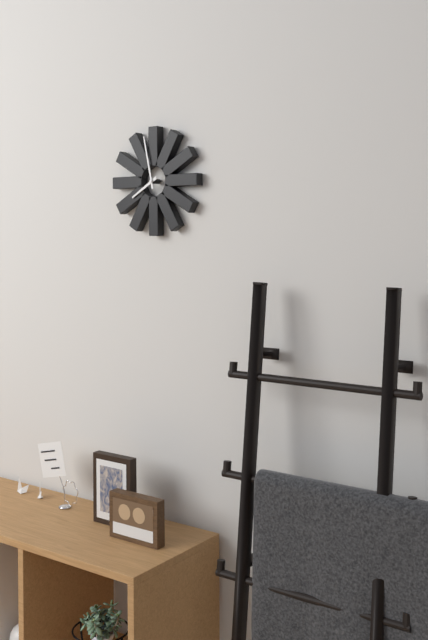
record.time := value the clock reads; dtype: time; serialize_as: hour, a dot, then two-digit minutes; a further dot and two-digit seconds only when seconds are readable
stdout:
7.58
